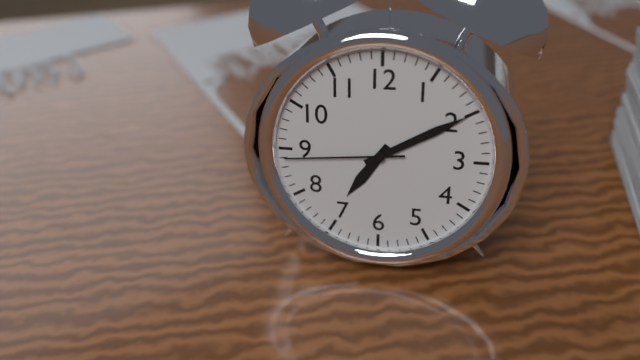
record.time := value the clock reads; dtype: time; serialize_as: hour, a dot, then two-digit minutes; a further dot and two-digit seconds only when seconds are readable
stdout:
7.10.44
